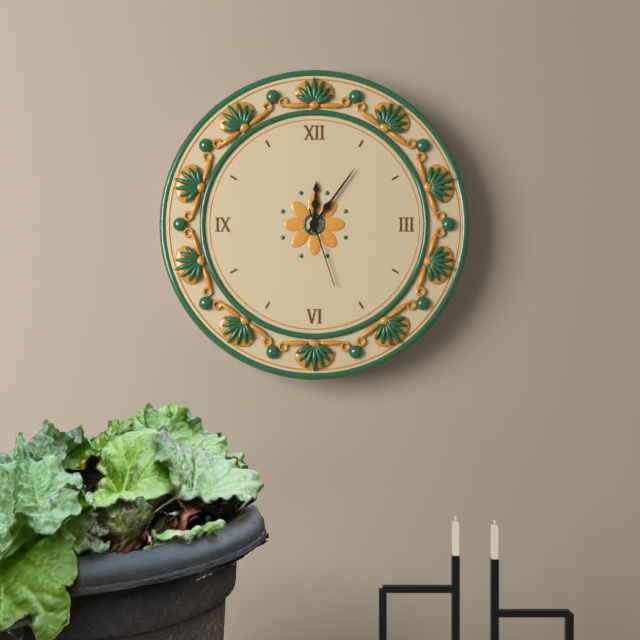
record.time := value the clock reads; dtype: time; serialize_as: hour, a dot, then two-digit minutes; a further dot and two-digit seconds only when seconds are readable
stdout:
12.06.27
